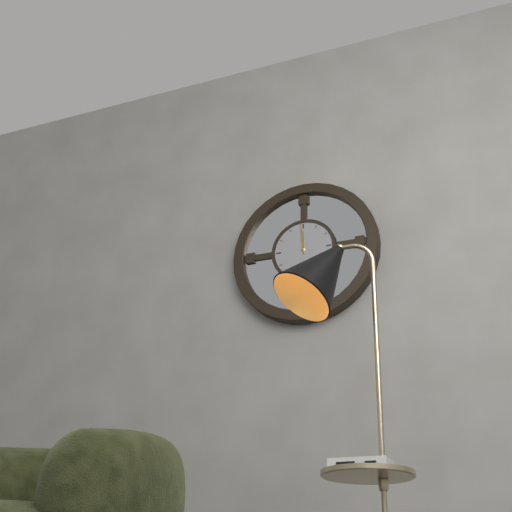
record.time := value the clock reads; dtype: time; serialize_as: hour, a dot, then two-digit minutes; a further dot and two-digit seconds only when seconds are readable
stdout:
11.59
